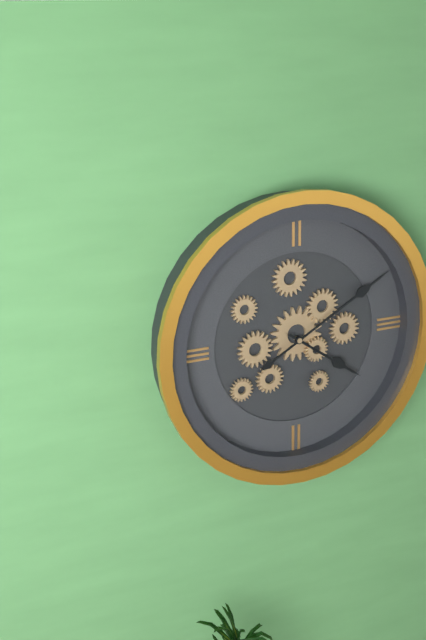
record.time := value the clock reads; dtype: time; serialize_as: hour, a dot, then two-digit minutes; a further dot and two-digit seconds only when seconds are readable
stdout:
4.10
